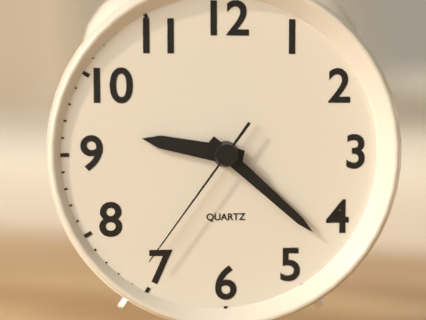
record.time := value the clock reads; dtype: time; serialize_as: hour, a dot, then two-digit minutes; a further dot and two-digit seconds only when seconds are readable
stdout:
9.22.36
